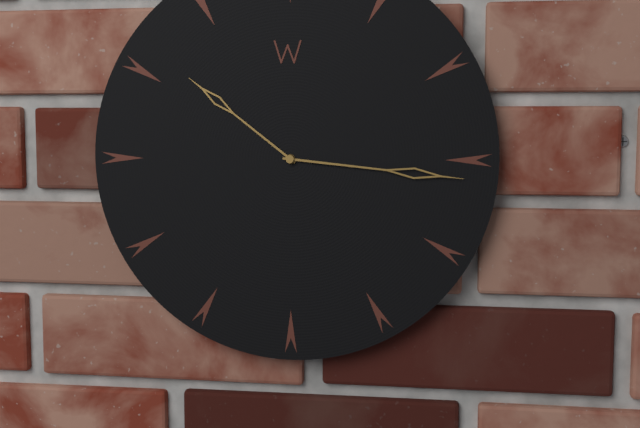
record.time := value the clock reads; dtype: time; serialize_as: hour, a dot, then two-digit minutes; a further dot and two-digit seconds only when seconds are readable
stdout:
10.16
